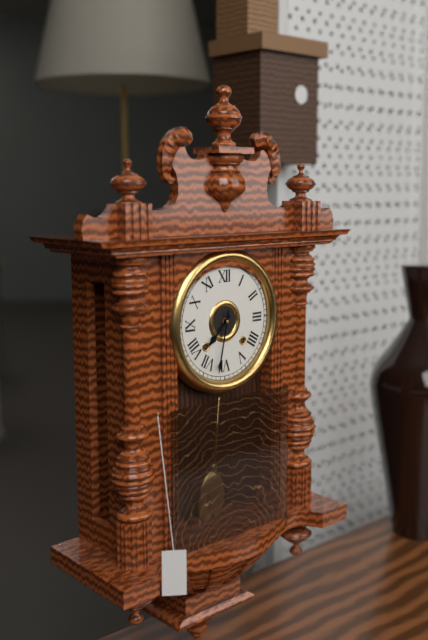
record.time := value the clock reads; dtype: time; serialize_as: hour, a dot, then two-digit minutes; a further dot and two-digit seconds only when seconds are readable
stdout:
7.32
